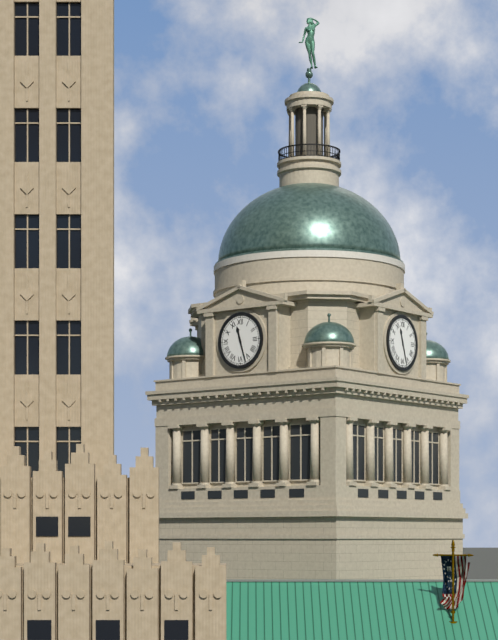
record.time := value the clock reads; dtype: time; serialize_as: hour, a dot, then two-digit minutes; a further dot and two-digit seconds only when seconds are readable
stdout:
11.27
